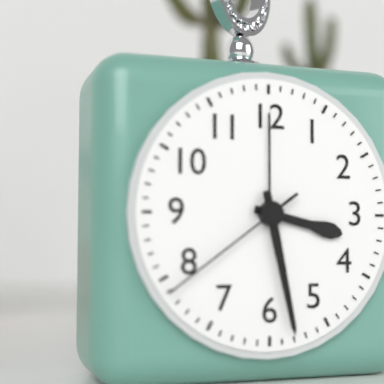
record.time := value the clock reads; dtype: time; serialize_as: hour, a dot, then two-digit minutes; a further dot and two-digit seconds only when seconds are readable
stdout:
3.28.39
